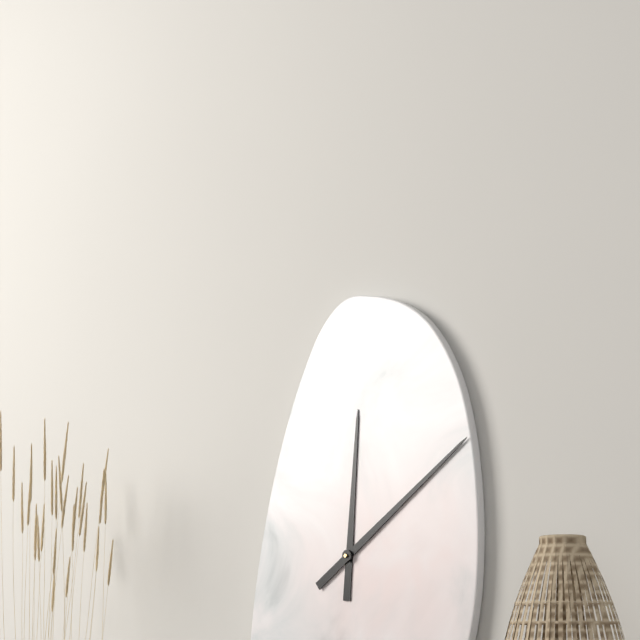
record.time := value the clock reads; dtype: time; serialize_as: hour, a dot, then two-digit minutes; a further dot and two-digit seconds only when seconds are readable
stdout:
12.09
